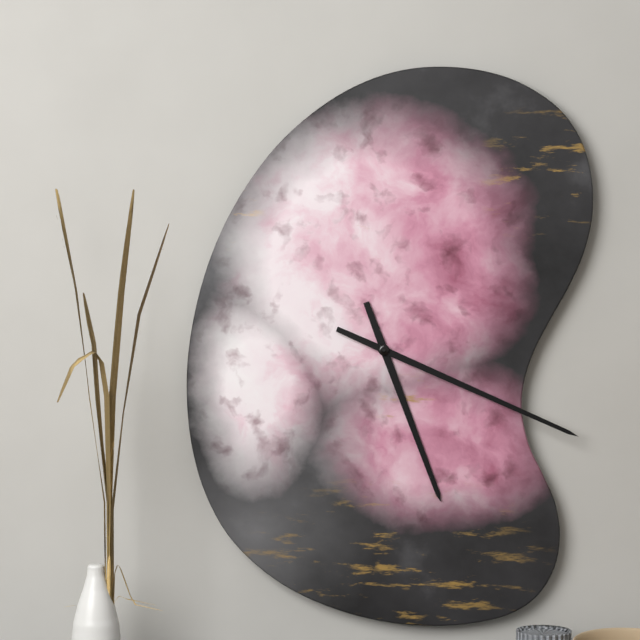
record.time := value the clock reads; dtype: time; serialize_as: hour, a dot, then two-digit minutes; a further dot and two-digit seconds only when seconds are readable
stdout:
5.19
